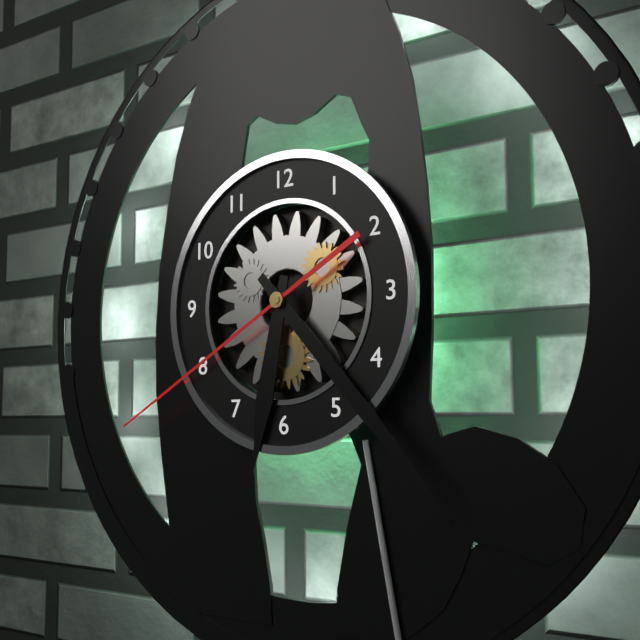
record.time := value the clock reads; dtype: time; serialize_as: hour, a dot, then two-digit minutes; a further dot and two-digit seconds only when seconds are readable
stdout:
6.23.40
